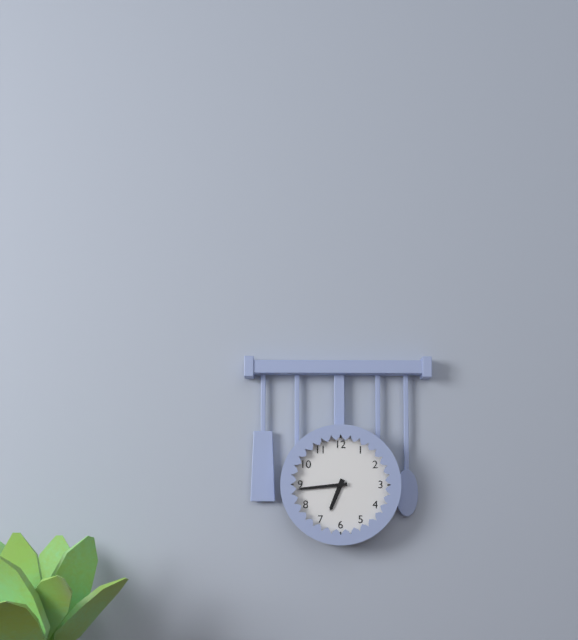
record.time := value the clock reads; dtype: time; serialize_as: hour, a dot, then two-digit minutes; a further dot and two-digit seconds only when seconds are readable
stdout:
6.44
